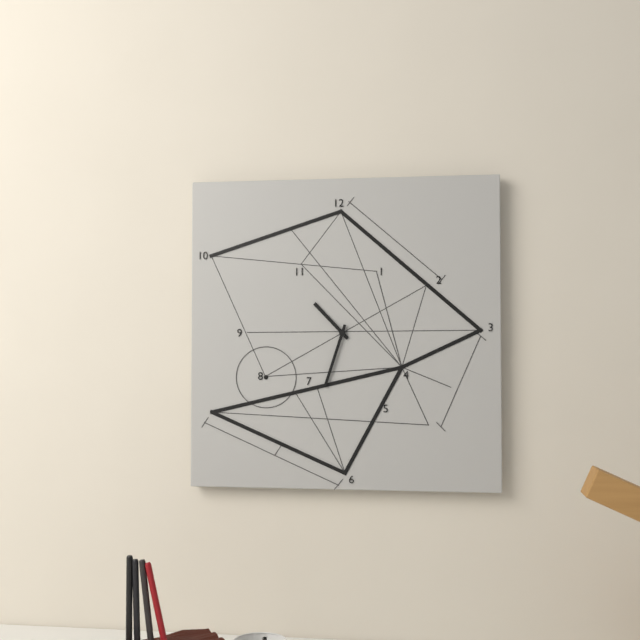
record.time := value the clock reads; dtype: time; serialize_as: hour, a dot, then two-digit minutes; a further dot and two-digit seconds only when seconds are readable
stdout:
10.33
